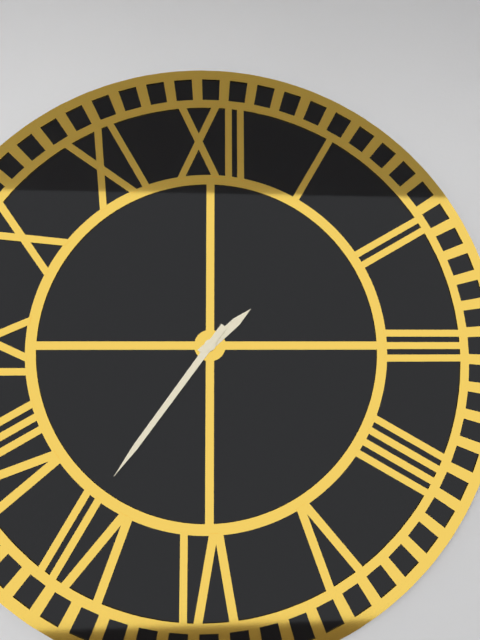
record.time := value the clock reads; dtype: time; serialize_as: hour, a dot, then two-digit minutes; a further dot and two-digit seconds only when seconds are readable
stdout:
1.36
